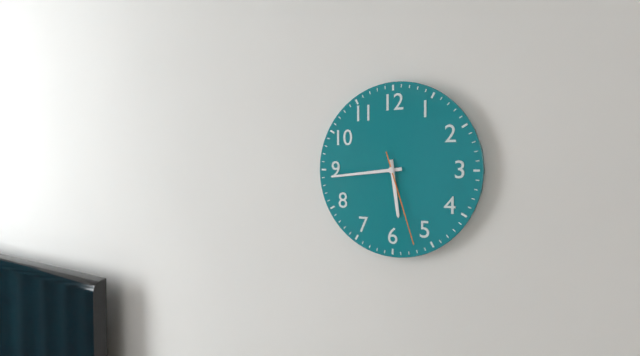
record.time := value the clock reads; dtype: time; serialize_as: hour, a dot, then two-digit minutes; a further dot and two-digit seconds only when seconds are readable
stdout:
5.44.27
